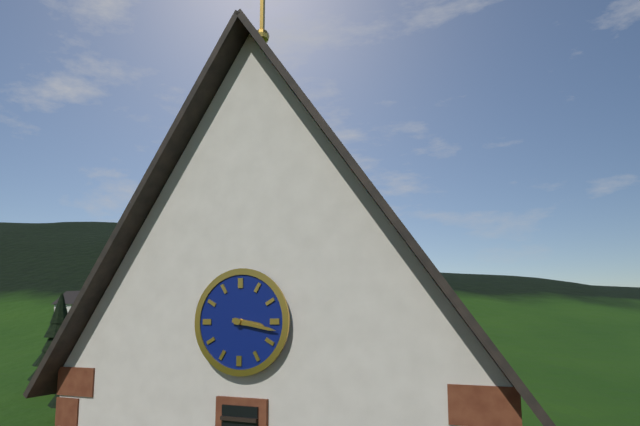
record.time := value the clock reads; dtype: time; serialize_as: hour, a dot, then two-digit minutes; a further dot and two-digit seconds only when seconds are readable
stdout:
3.17
